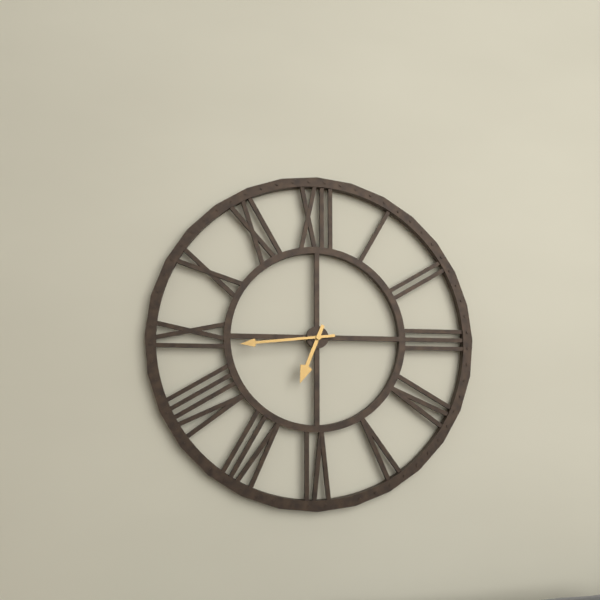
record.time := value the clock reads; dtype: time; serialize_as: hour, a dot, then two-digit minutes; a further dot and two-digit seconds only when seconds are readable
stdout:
6.44
